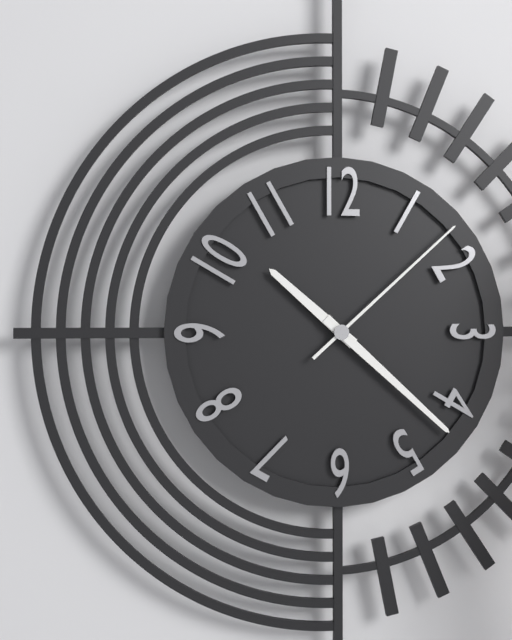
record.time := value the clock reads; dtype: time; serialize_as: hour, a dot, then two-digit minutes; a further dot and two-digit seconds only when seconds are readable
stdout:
10.22.08
